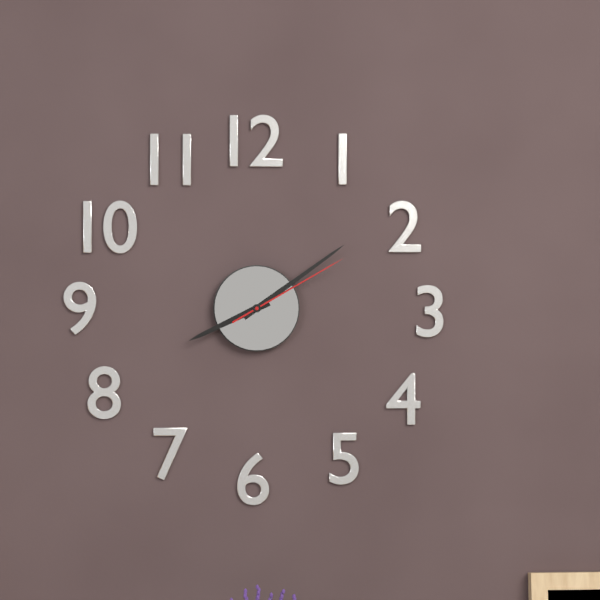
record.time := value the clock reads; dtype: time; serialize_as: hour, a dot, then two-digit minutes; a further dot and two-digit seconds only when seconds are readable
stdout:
8.09.10
